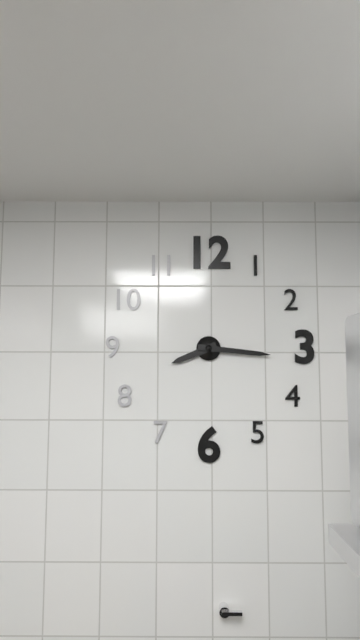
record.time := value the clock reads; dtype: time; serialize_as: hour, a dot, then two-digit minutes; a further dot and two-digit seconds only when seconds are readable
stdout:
8.16
